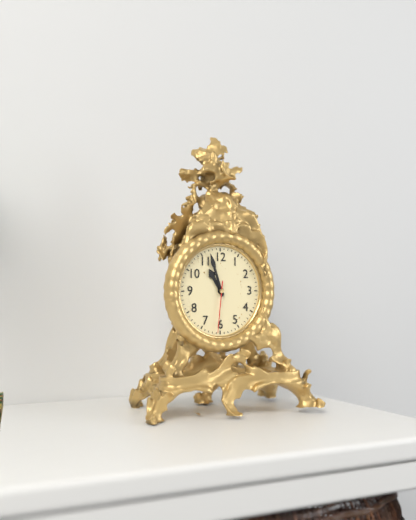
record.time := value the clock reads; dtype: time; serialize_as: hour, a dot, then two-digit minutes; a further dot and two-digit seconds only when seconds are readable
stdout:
10.57.31
